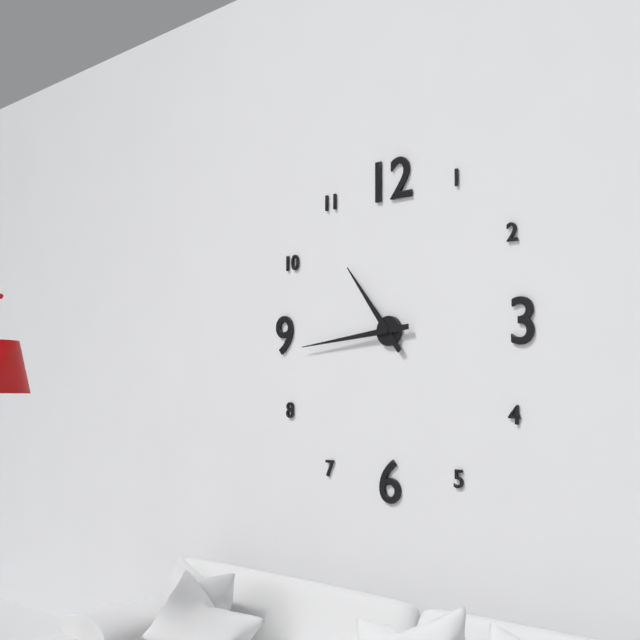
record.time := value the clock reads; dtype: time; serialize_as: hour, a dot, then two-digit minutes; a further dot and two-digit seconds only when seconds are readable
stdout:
10.44
